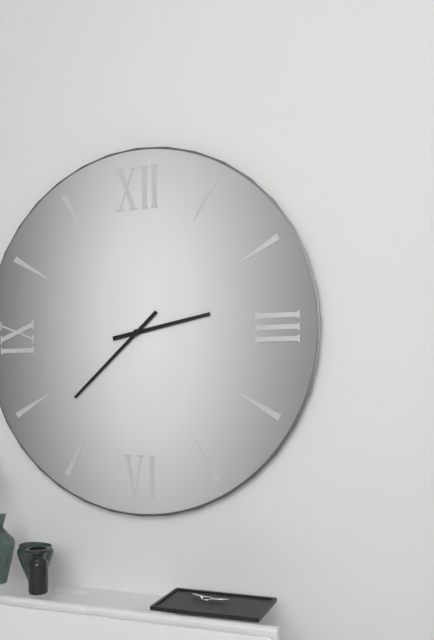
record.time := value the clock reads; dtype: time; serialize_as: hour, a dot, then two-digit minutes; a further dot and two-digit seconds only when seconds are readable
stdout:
2.38
